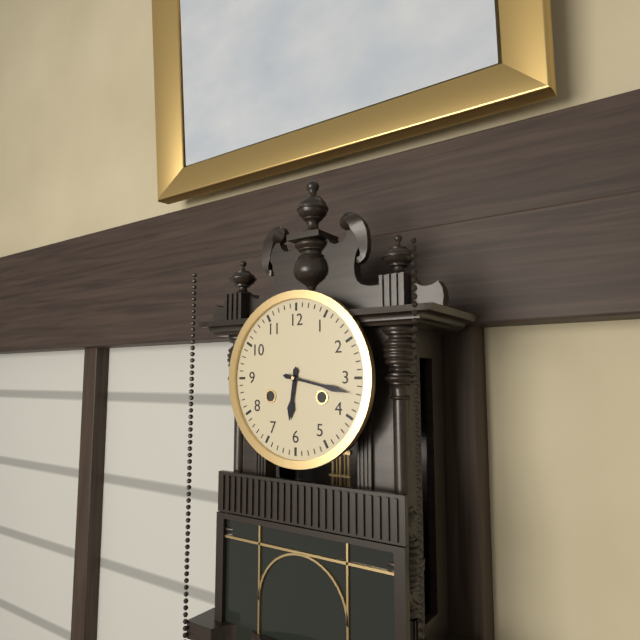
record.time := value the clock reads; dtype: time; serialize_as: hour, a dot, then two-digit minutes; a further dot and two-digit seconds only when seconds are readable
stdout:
6.17
